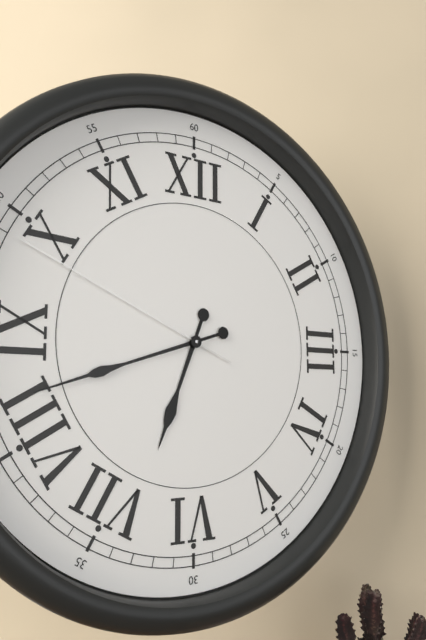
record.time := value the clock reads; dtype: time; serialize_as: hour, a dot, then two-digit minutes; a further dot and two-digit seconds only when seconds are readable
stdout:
6.42.49
